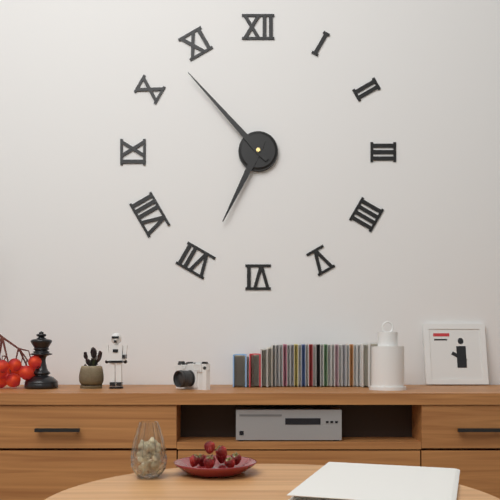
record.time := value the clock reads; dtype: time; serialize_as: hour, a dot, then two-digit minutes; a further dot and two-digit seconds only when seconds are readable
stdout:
6.53
